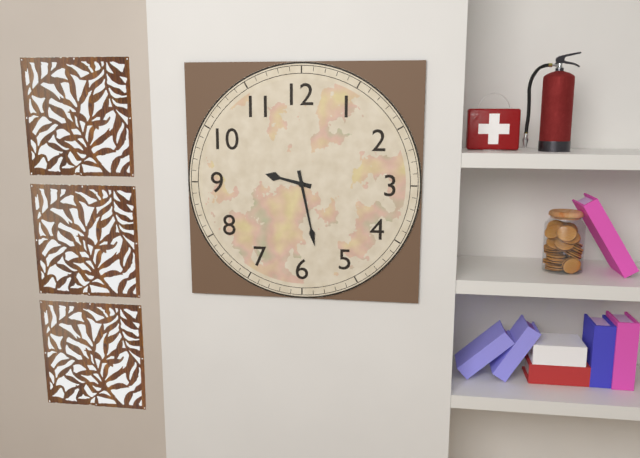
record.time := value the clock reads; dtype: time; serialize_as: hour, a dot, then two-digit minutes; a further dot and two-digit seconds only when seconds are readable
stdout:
9.28
